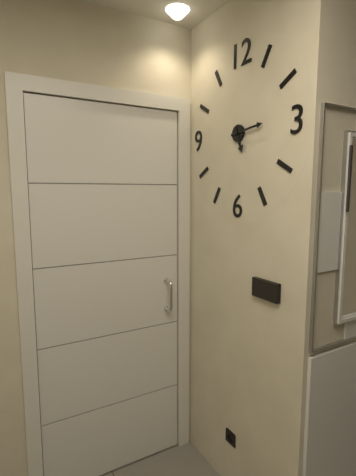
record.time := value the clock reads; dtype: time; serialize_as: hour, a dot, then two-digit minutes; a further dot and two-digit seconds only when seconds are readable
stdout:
5.14
